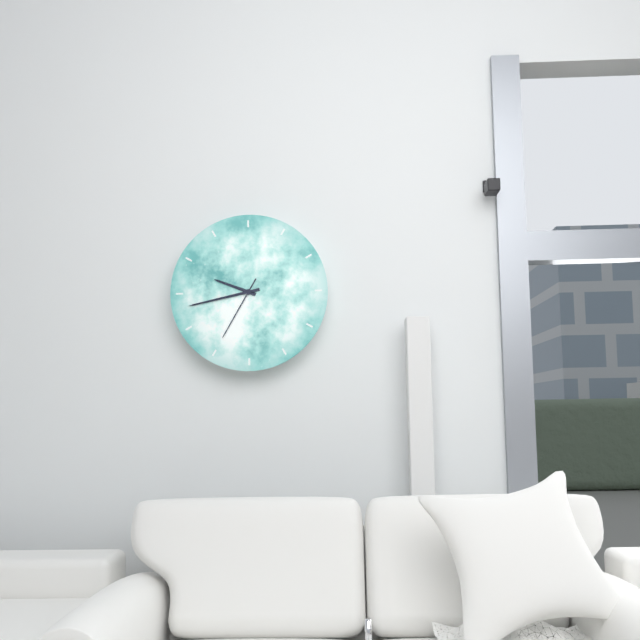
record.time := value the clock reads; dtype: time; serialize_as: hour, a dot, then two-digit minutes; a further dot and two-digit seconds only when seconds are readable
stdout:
9.43.35
